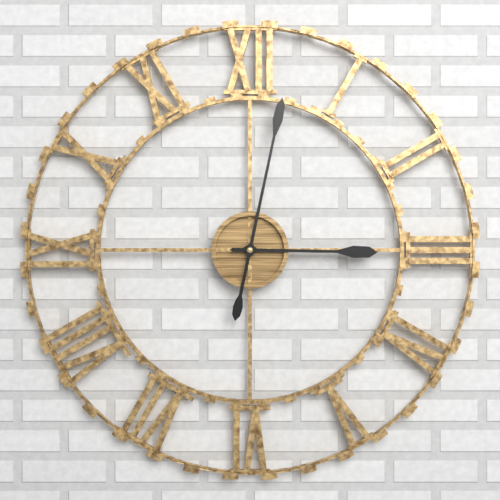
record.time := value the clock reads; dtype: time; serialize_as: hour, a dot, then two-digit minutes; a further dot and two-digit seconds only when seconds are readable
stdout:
3.02
